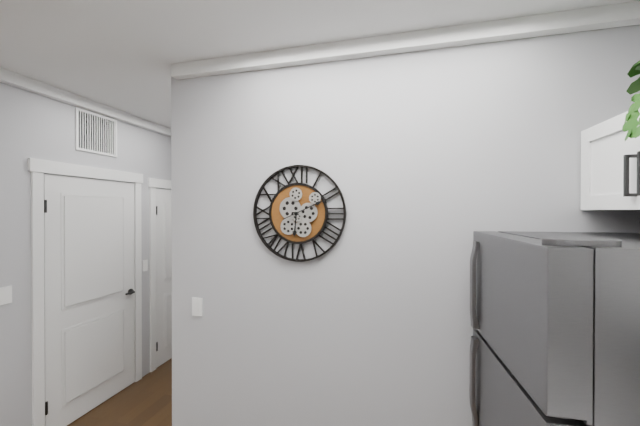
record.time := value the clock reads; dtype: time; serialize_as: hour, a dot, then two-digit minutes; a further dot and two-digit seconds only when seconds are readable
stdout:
6.11
